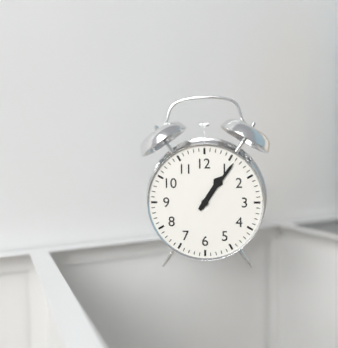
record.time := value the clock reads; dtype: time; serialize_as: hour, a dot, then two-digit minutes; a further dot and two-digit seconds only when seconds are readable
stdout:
1.06
